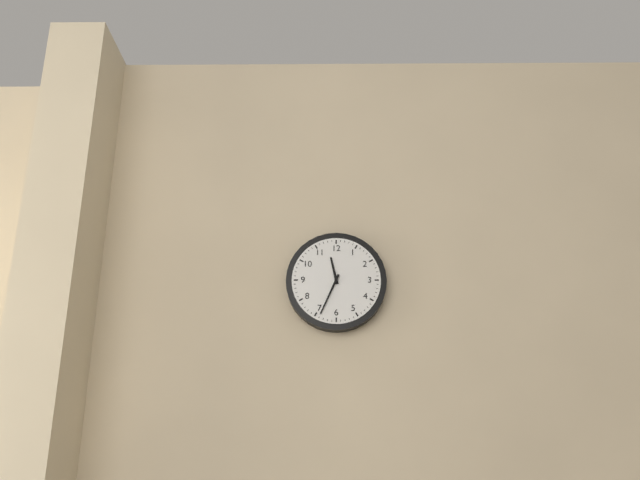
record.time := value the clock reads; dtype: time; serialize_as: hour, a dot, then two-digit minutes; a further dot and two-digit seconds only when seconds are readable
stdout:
11.34
